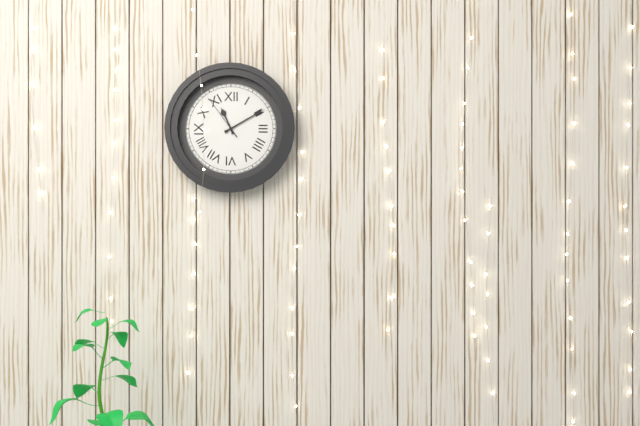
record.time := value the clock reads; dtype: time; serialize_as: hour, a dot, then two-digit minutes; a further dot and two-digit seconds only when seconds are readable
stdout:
11.10.54
